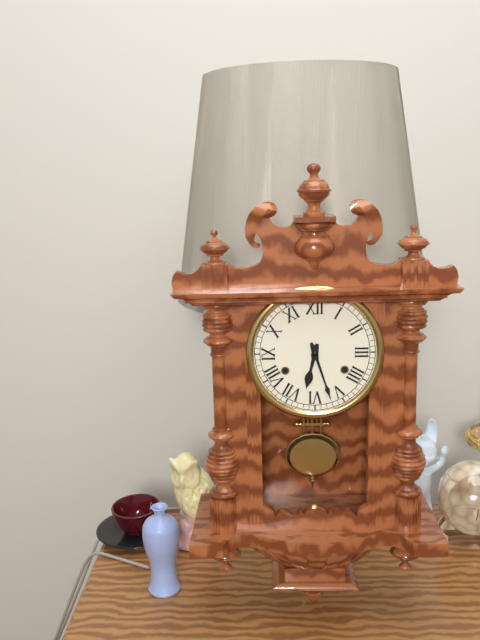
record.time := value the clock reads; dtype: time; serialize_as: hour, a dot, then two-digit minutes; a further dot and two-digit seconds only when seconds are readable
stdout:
6.27
